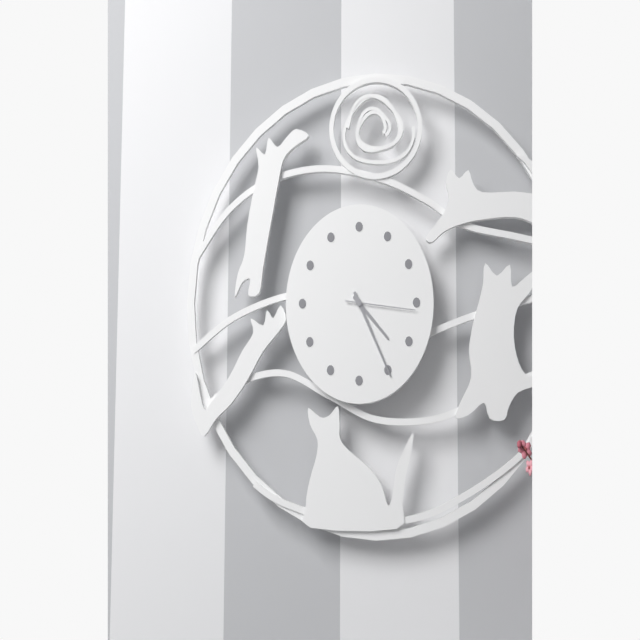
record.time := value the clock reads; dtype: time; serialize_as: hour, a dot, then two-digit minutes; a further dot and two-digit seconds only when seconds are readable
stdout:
4.25.16
